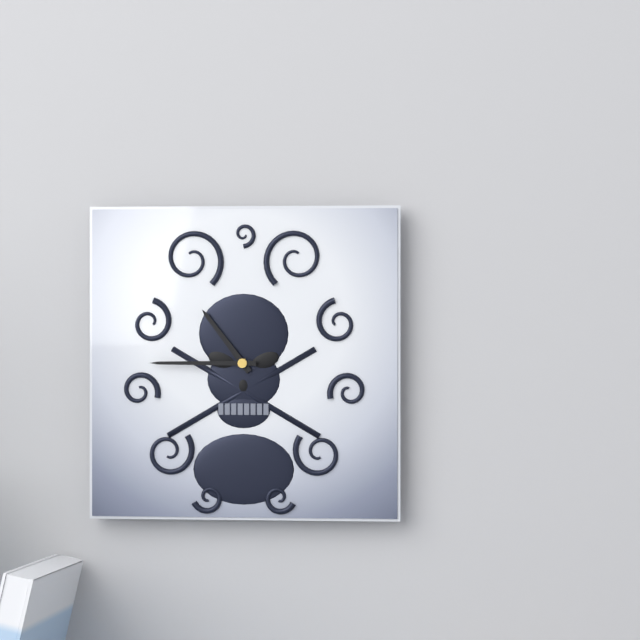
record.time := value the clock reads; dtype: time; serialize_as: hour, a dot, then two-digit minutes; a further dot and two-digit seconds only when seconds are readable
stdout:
10.45
